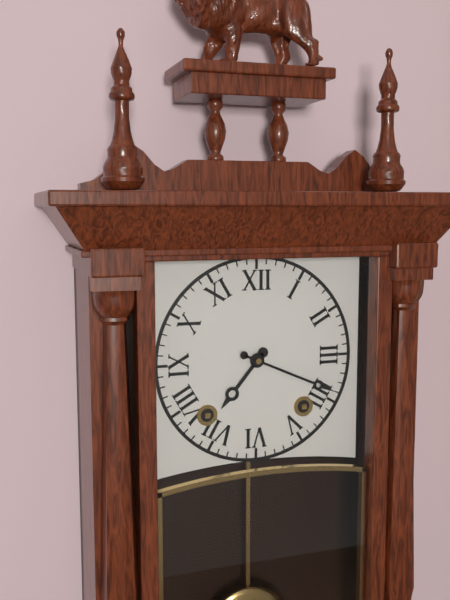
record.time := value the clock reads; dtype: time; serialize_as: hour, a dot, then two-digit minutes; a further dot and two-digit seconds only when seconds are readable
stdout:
7.19
